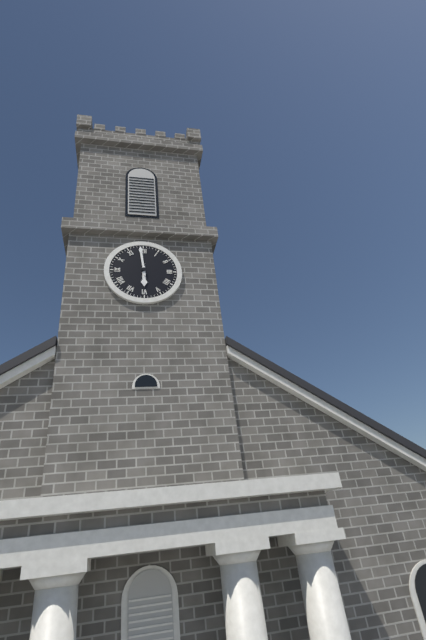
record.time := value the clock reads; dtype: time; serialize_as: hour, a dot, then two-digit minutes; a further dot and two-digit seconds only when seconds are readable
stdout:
5.59
